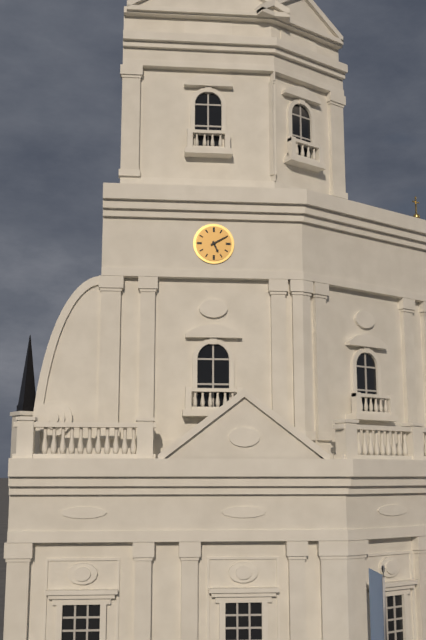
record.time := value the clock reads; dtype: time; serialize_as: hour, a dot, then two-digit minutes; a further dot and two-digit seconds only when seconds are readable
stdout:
5.10
